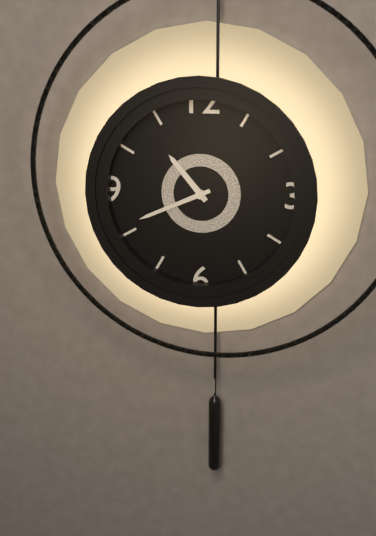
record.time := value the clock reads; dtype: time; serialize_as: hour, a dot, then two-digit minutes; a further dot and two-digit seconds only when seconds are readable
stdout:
10.41
